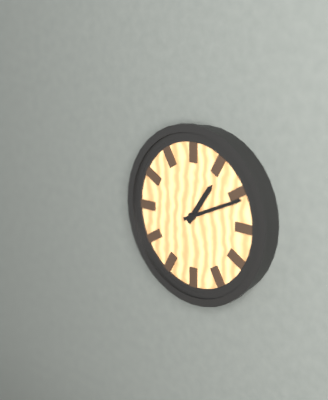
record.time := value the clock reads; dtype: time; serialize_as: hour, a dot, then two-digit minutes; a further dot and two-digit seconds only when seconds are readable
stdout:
1.11
